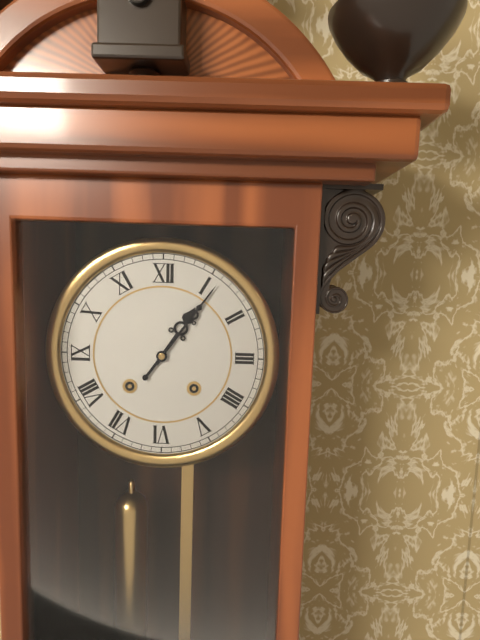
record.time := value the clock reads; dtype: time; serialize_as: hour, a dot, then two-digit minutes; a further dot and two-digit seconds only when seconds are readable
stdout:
1.06
